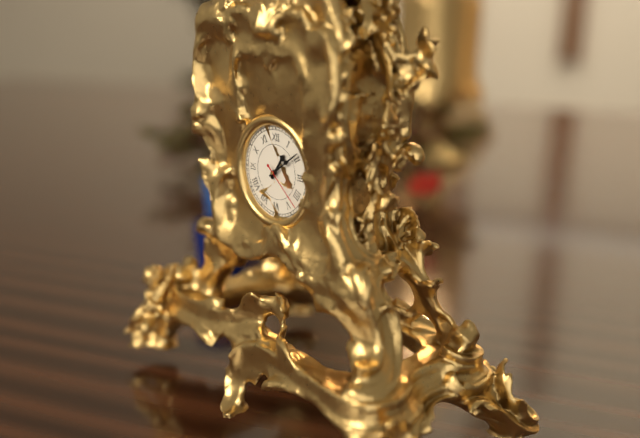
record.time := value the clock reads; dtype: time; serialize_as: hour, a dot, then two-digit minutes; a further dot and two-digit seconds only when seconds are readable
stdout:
1.09.22
